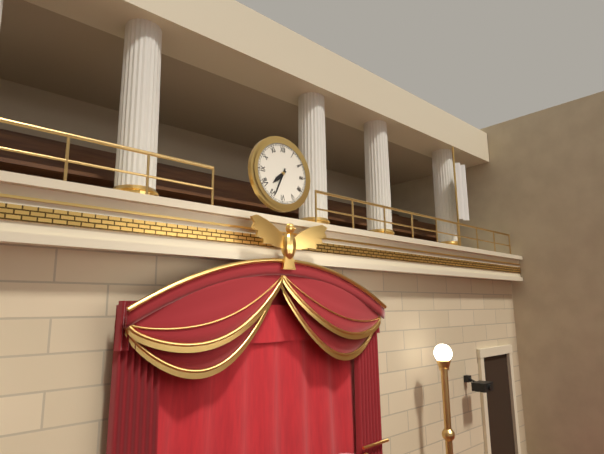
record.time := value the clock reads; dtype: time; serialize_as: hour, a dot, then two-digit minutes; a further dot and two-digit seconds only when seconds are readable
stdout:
7.34
